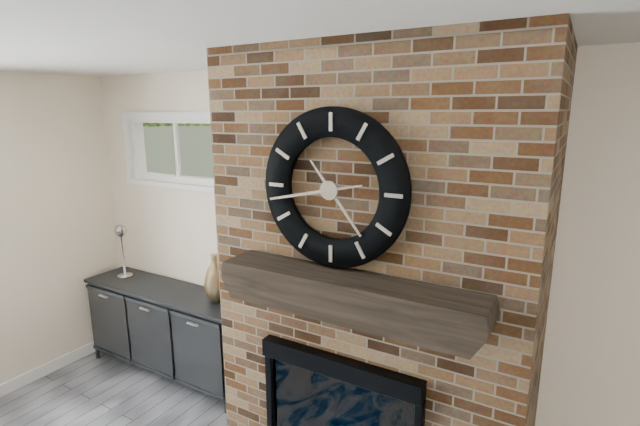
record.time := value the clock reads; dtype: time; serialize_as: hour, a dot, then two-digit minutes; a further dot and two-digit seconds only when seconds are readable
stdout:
4.43
